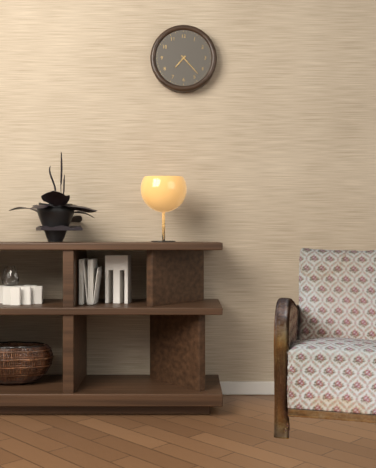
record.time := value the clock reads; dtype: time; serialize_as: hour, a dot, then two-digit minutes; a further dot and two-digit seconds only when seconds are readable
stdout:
7.23
